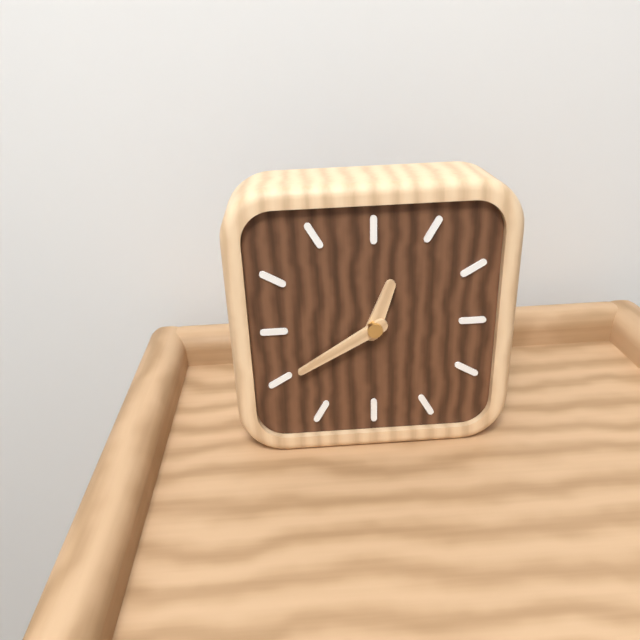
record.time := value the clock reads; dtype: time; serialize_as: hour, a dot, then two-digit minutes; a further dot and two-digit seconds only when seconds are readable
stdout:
12.40
